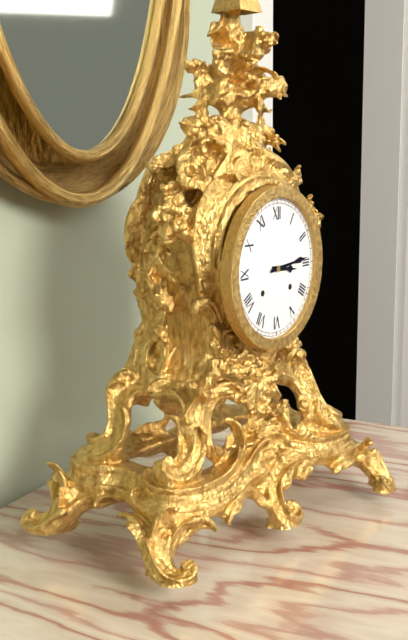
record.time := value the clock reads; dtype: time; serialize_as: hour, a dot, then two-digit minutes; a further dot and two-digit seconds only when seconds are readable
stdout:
3.14
